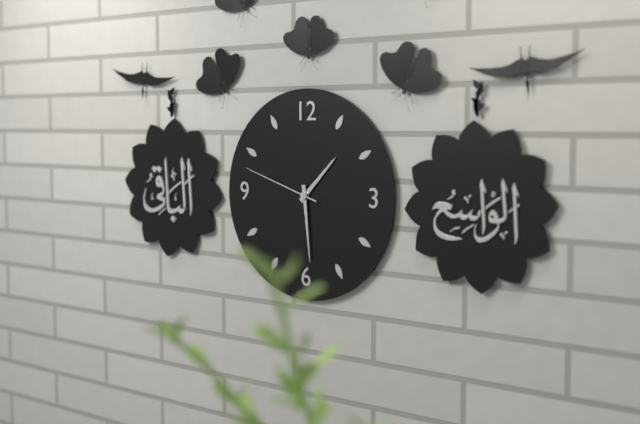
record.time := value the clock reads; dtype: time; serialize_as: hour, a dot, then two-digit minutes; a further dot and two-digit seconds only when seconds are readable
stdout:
1.29.48
